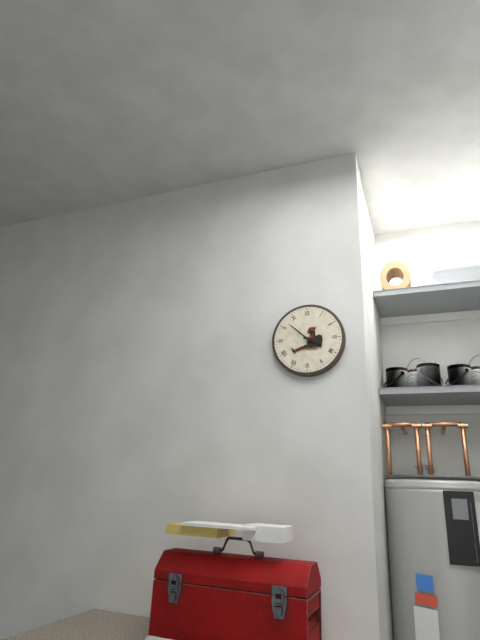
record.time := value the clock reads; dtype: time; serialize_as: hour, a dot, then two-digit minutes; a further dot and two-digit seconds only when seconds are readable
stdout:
3.52
